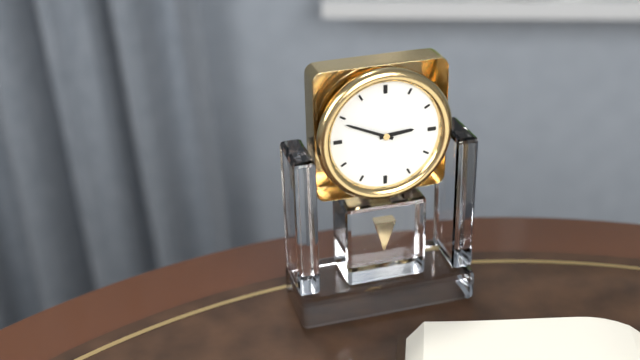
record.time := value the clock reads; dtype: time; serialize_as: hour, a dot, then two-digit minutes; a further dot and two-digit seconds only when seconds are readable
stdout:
2.49
